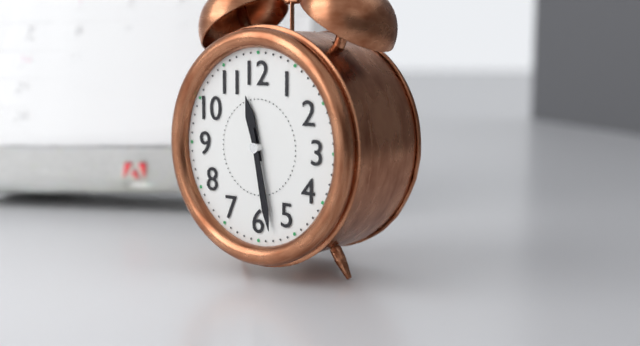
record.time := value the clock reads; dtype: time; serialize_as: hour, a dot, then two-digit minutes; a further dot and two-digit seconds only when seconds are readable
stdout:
11.28
